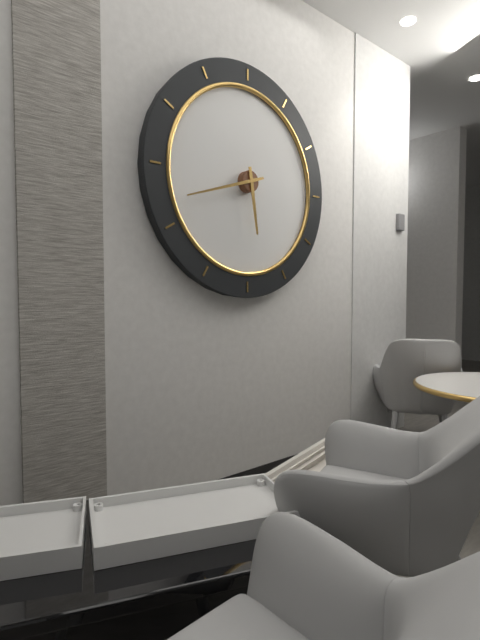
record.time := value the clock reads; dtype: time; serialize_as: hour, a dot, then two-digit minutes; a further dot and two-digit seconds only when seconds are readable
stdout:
5.42
